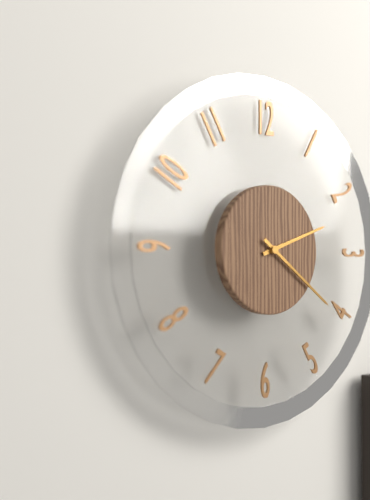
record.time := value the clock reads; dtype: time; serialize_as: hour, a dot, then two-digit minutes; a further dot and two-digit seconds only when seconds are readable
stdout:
2.21
